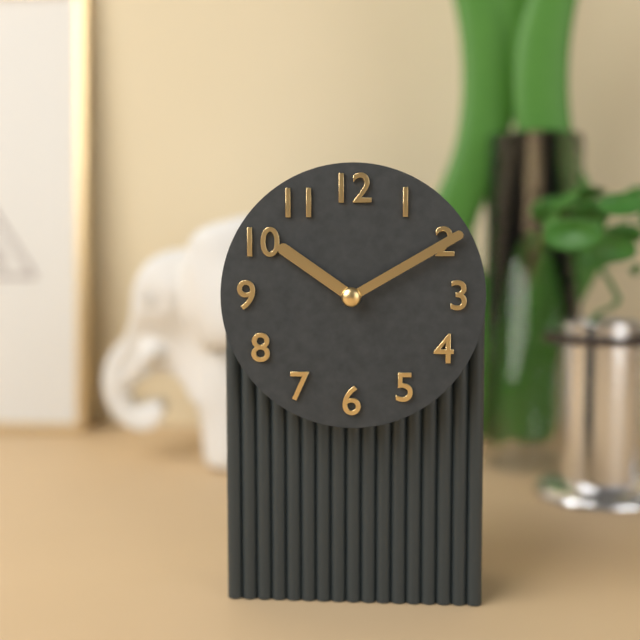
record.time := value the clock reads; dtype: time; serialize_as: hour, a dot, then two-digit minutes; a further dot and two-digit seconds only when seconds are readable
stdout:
10.10
